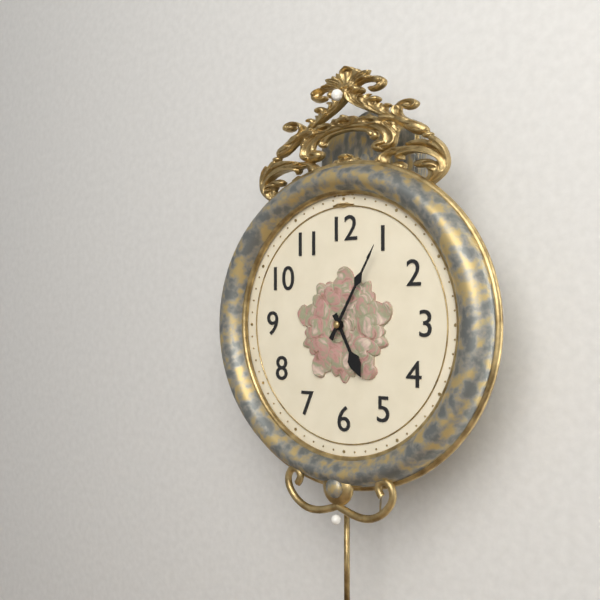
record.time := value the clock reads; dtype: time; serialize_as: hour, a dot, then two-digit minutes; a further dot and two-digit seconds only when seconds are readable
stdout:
5.05
